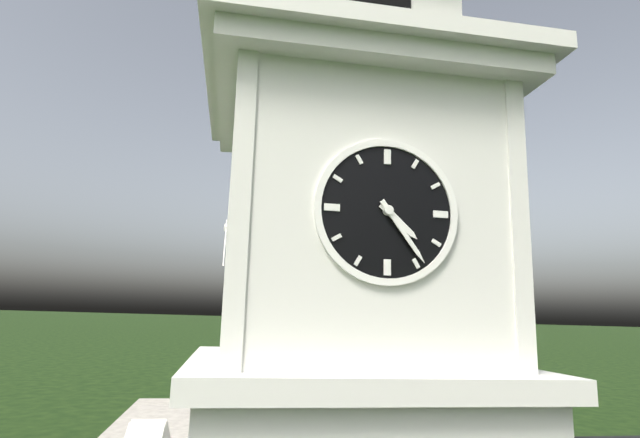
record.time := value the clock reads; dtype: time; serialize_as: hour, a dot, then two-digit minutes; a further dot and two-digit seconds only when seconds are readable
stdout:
4.24
